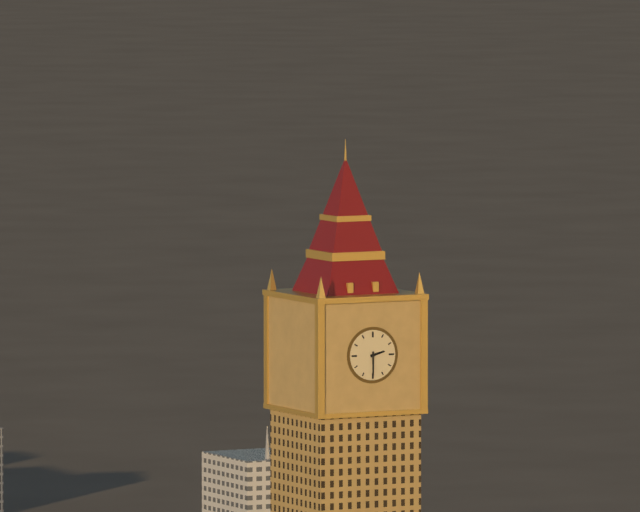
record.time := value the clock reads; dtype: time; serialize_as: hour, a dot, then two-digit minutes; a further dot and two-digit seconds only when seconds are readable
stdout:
2.30
